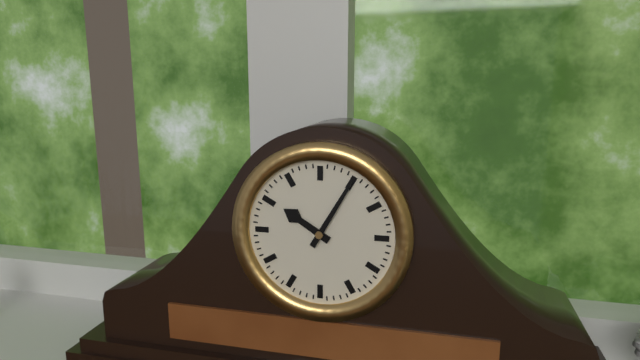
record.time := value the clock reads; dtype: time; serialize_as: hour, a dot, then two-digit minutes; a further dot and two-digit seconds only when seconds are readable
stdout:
10.05
